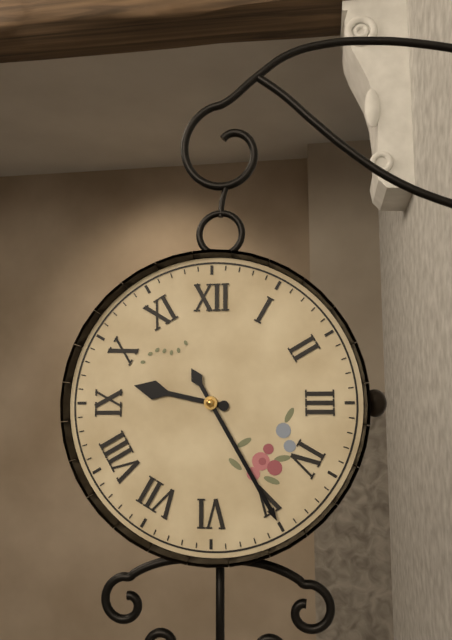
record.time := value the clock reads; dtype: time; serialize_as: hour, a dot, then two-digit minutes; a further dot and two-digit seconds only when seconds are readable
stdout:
9.25
